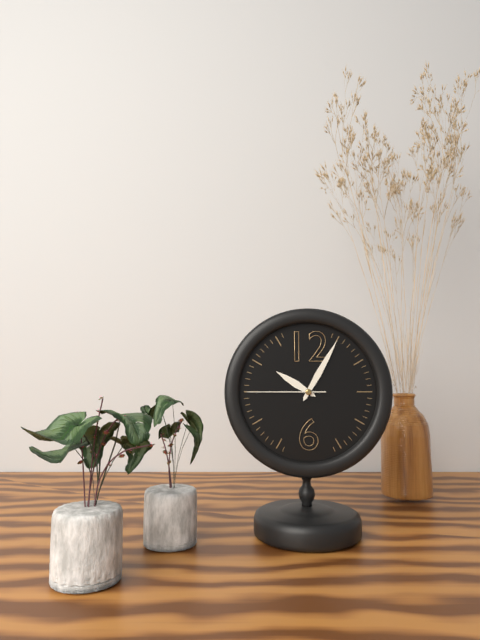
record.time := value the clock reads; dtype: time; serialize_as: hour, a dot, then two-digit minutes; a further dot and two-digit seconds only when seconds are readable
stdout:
10.05.45
